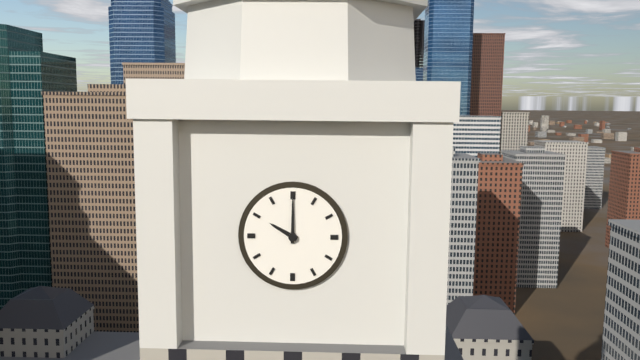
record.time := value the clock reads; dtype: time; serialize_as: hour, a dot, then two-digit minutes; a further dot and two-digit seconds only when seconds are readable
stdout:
10.00
